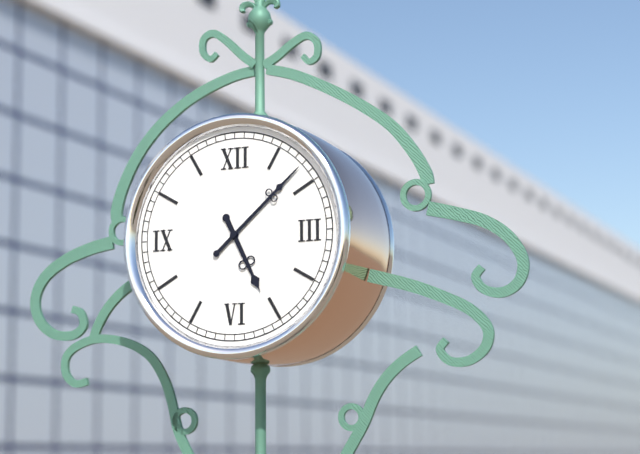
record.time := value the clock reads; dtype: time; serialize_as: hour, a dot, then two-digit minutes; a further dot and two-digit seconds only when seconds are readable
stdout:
5.08
